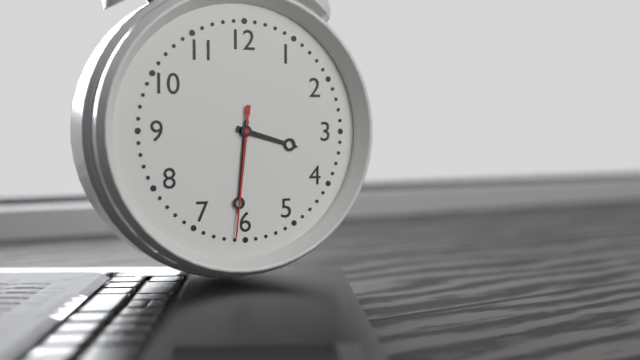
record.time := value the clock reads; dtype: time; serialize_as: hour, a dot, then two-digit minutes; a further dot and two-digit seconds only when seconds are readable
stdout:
3.31.31
